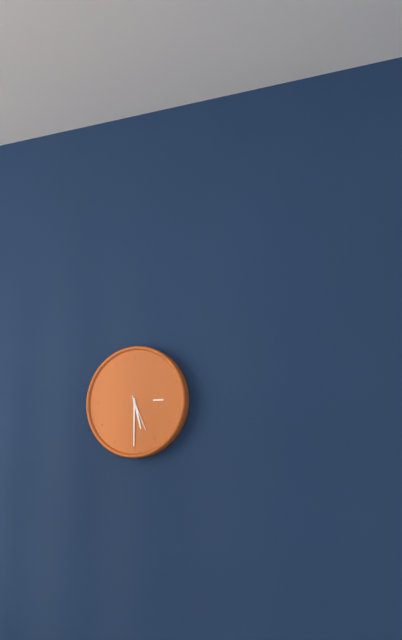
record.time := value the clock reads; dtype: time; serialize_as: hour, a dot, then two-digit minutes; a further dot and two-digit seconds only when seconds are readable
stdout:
5.30
